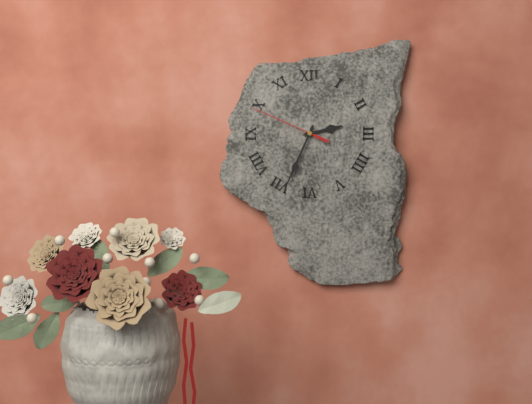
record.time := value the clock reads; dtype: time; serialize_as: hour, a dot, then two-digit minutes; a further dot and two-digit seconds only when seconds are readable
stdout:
2.34.49
